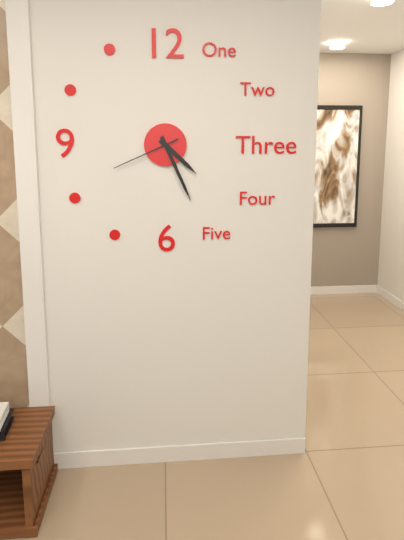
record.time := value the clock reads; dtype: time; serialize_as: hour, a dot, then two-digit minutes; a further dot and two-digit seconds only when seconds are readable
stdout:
4.26.41
